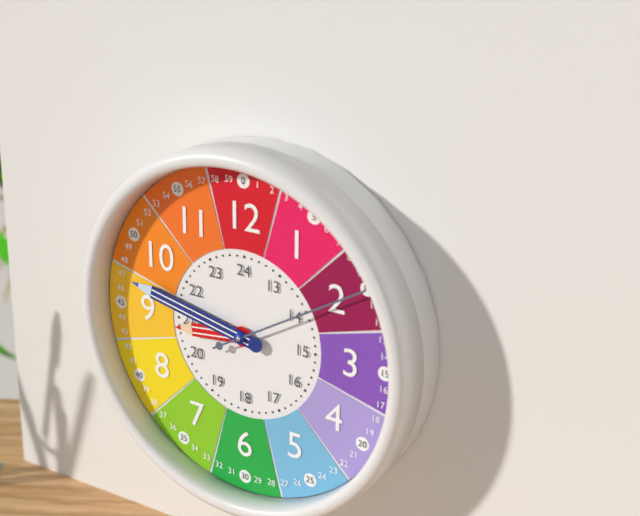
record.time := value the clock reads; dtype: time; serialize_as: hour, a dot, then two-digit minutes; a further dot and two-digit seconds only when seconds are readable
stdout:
8.47.10
